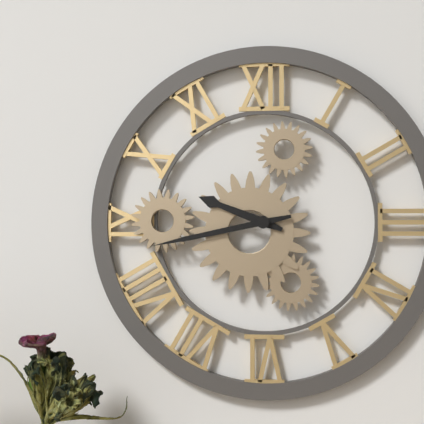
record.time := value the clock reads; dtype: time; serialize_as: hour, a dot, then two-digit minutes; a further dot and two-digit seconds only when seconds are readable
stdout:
9.43
